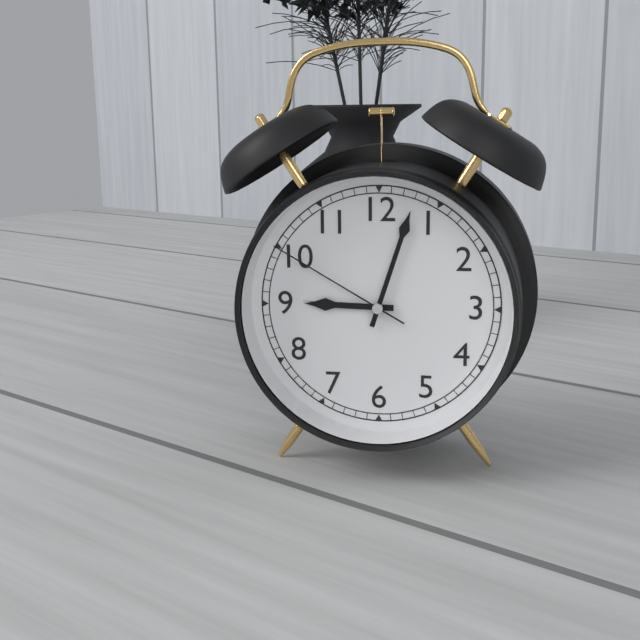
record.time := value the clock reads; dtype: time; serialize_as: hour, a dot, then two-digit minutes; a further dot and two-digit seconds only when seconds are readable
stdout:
9.03.50
